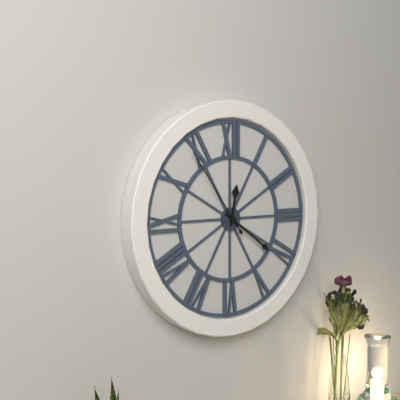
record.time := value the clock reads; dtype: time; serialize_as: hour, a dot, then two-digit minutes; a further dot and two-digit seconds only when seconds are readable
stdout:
12.21.54
